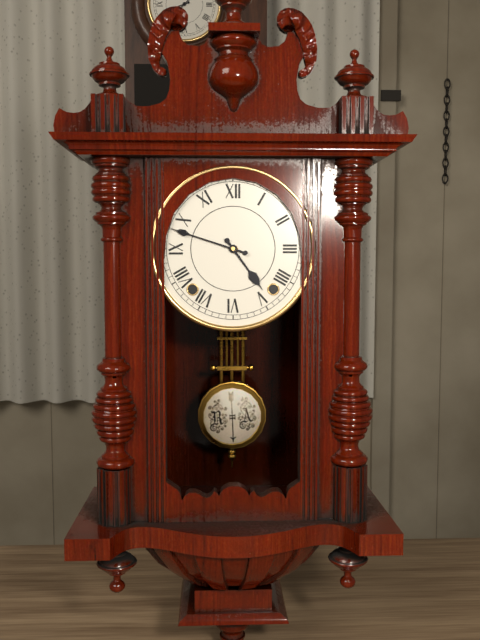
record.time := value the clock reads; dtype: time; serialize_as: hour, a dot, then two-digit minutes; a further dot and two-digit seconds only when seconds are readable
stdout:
4.48
